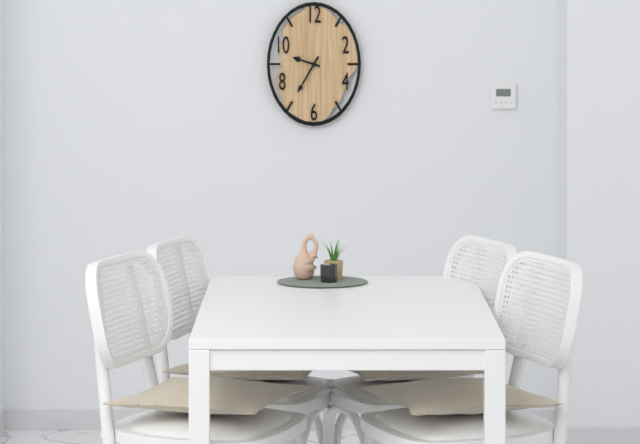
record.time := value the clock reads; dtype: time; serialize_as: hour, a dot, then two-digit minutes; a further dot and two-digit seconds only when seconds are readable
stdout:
9.35
